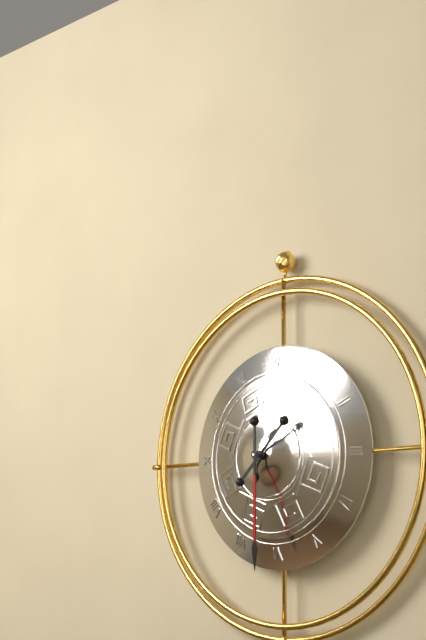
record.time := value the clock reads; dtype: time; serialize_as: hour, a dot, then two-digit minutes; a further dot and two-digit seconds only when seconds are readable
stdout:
1.30
